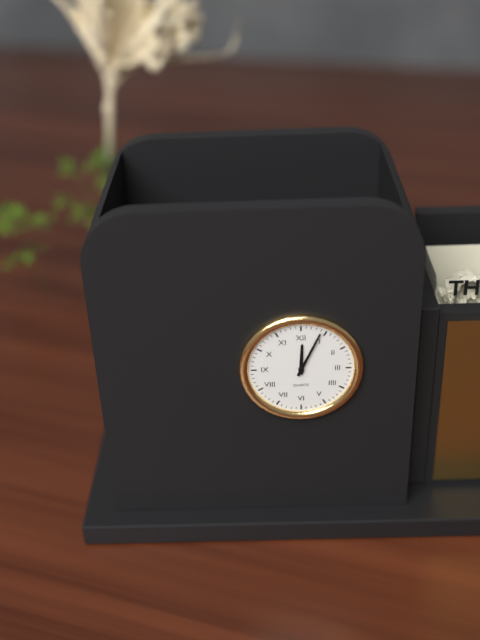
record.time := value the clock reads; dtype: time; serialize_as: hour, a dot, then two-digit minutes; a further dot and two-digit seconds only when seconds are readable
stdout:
12.04
